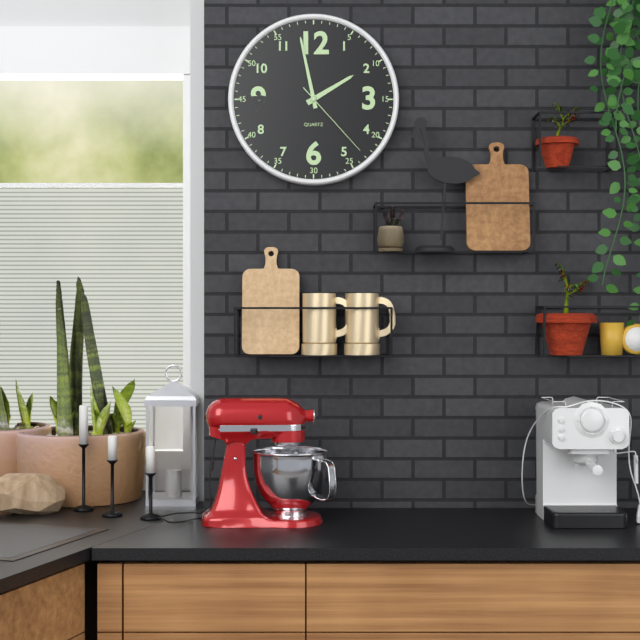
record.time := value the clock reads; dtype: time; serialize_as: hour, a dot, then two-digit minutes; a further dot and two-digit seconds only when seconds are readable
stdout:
1.58.23
